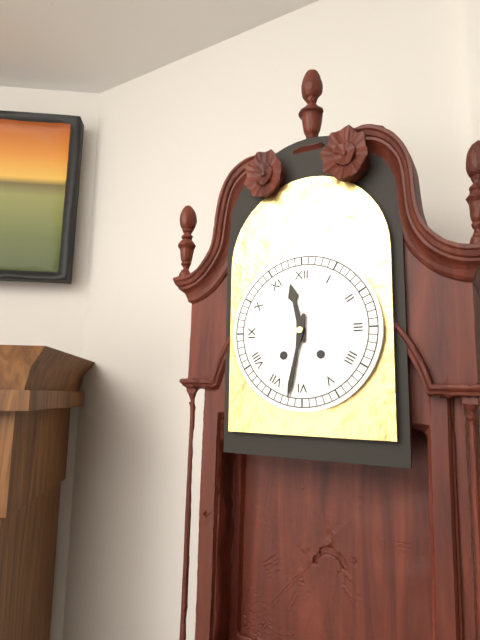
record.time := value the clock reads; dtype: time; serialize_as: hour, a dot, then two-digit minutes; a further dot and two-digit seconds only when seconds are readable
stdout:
11.32
